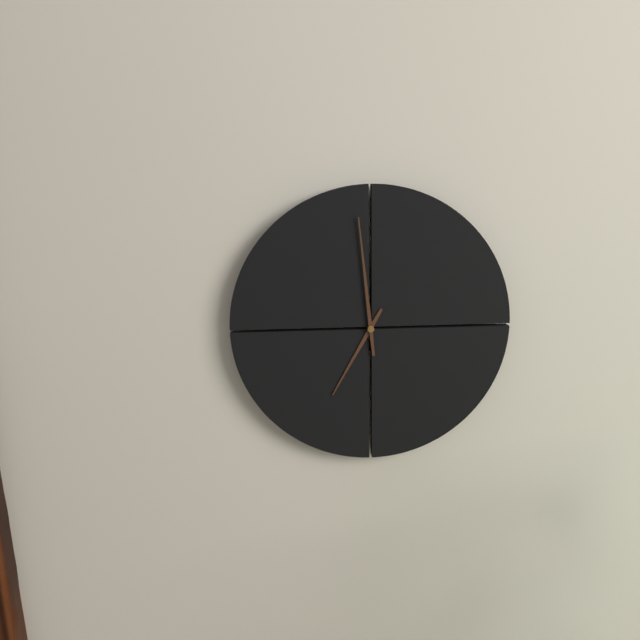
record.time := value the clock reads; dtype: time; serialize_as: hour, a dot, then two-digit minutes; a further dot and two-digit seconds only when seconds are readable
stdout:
6.59
